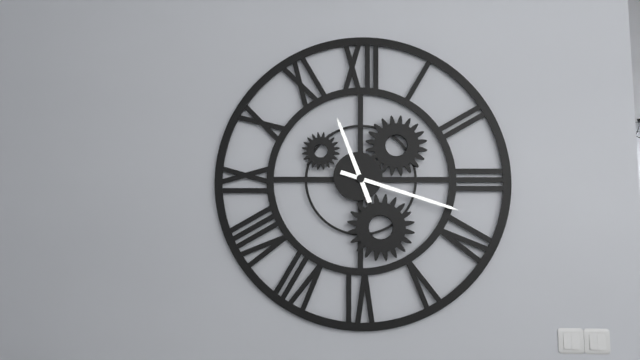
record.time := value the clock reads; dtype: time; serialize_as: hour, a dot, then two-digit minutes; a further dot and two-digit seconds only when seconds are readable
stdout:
11.18
